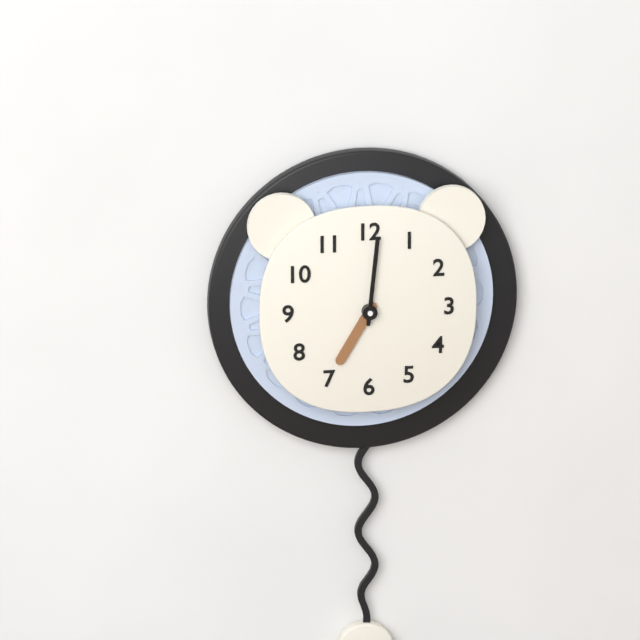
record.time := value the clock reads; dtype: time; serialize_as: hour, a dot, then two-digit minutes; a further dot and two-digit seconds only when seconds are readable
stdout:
7.01
